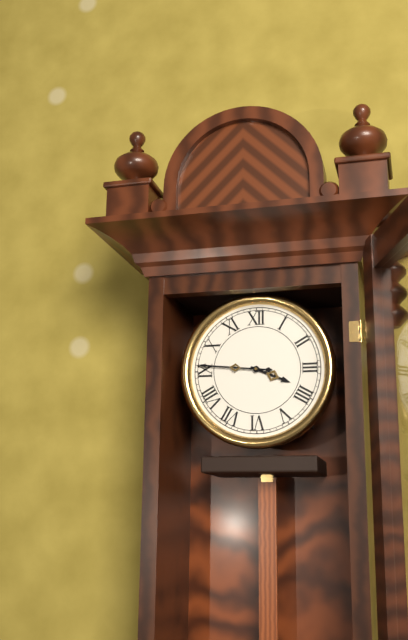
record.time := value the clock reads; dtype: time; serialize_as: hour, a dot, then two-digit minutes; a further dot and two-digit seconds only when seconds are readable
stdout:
3.46
